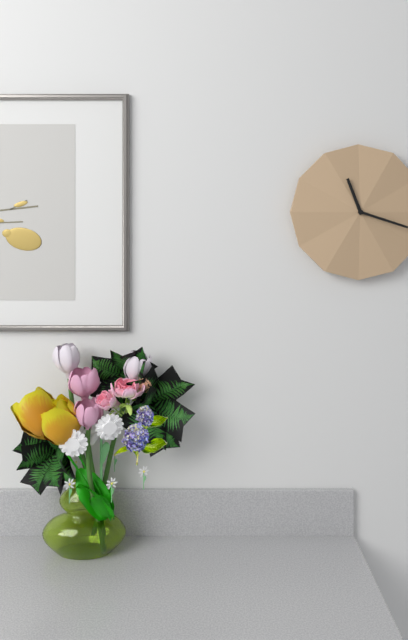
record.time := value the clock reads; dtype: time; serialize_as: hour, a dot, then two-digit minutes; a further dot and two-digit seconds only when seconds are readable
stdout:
11.18
